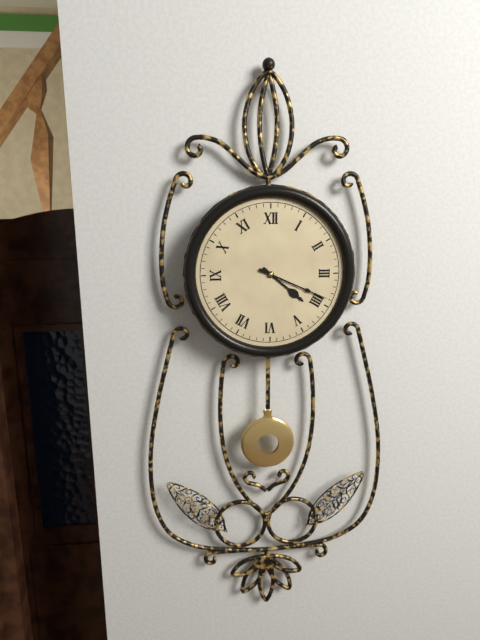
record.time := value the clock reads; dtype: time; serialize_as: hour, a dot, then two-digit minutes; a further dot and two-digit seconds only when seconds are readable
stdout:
4.19
